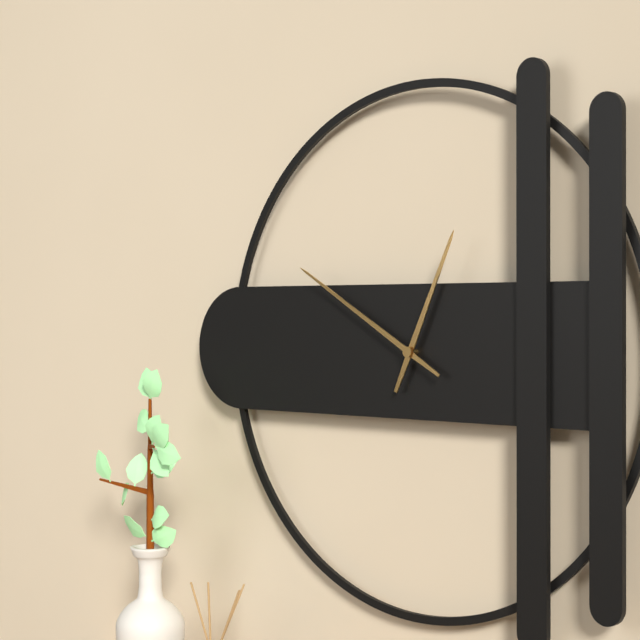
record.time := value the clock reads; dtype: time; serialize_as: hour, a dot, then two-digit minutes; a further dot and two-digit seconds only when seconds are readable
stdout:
12.50
